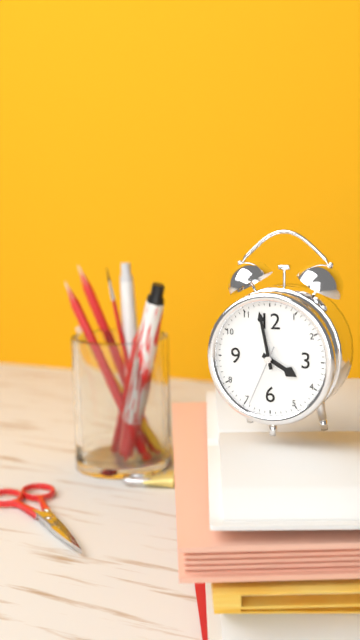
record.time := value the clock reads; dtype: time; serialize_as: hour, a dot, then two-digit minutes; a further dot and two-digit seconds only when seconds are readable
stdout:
3.58.34
